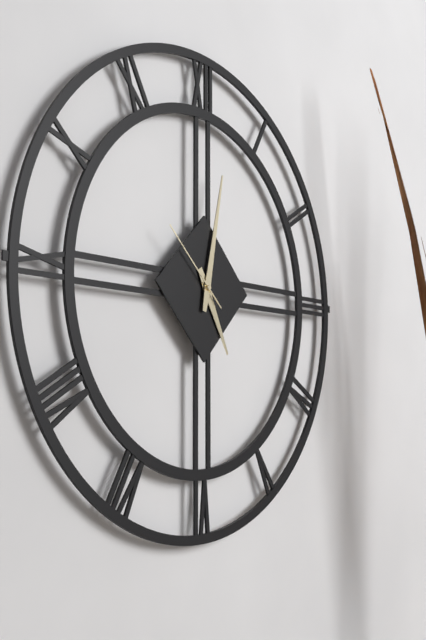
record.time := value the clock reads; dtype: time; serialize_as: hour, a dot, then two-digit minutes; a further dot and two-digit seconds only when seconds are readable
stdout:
5.02.52
